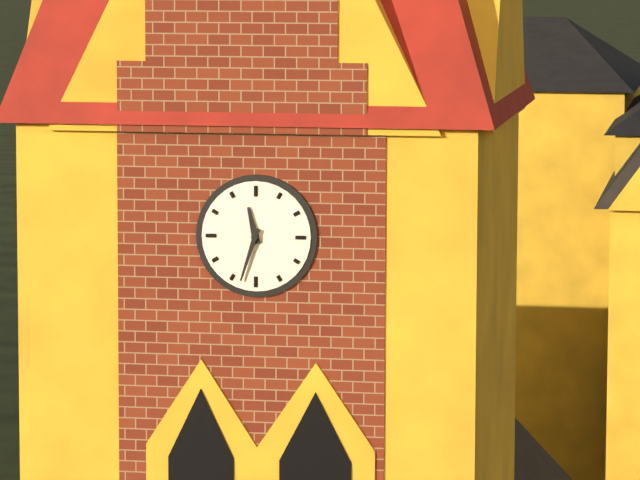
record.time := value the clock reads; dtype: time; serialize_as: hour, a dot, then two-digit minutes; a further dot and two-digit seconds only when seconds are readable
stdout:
11.33
